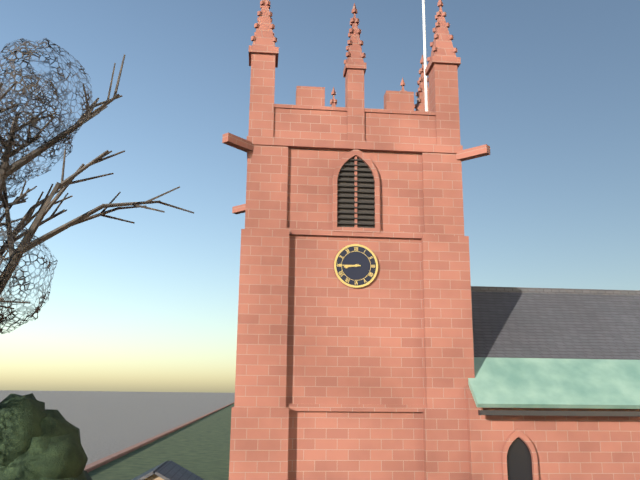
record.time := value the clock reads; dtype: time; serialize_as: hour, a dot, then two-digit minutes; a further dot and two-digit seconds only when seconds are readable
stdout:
8.45
